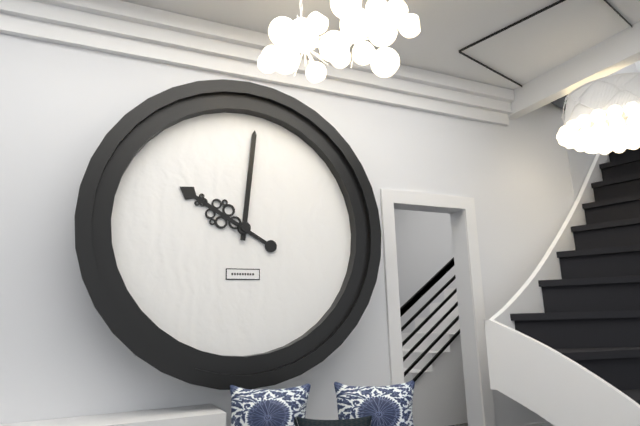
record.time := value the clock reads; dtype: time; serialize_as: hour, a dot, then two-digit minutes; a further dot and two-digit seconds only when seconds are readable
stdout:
10.01
